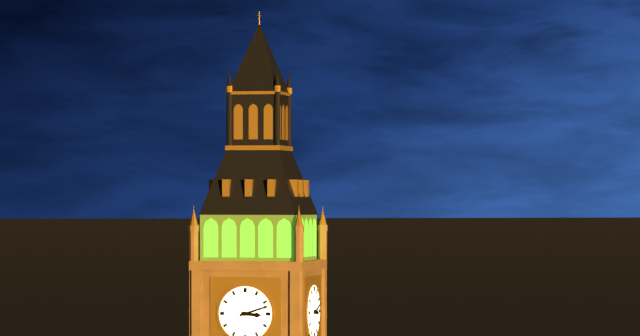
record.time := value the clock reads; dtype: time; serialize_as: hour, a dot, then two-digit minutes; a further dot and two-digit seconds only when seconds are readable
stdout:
3.12
